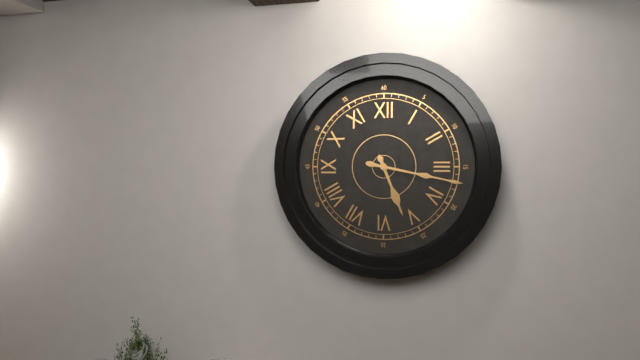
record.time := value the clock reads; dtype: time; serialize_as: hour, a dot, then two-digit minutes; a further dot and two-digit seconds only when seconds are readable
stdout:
5.17
